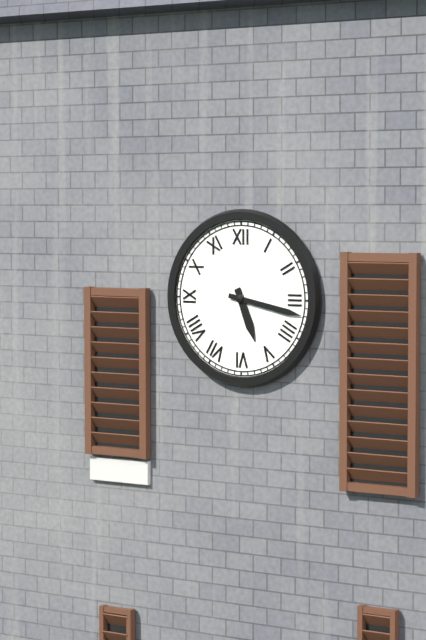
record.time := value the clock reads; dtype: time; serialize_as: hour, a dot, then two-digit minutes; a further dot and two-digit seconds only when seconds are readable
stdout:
5.17
